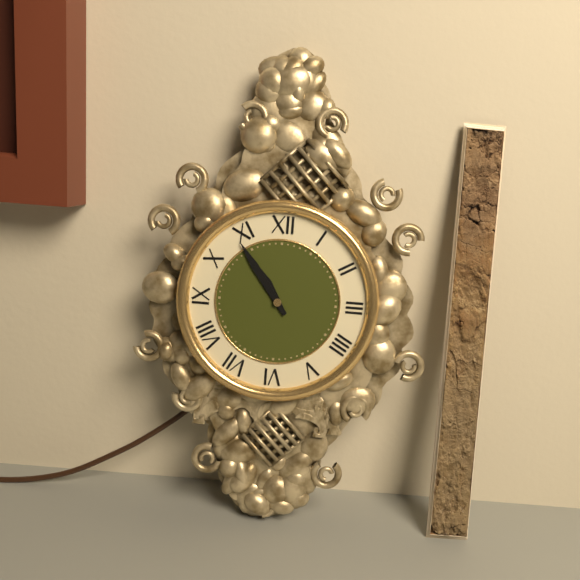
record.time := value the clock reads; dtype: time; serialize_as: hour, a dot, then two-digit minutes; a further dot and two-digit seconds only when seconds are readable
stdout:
10.54
